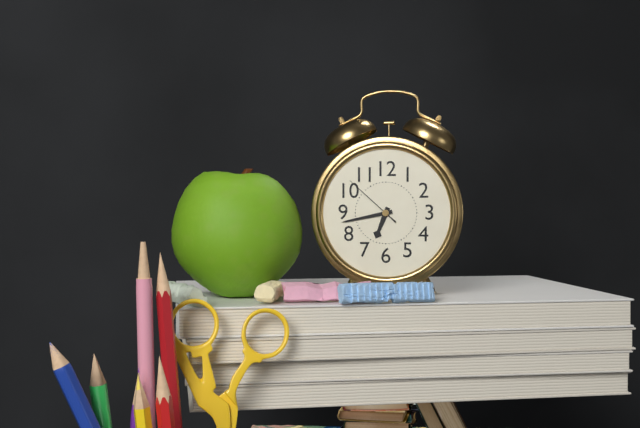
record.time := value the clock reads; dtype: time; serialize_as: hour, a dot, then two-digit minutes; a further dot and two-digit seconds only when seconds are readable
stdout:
6.43.52
